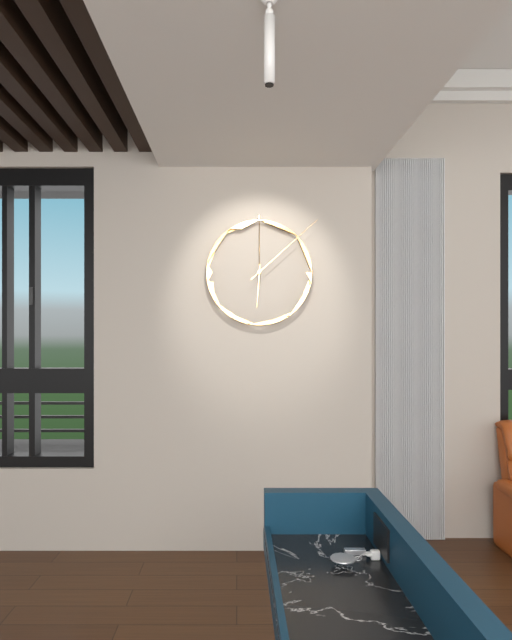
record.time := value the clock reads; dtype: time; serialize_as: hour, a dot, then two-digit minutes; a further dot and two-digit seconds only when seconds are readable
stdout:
6.08
